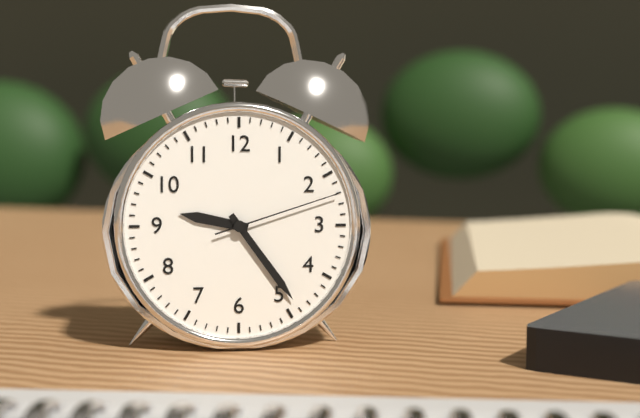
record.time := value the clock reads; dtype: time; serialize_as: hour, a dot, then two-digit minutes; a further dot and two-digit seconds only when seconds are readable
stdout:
9.24.12
